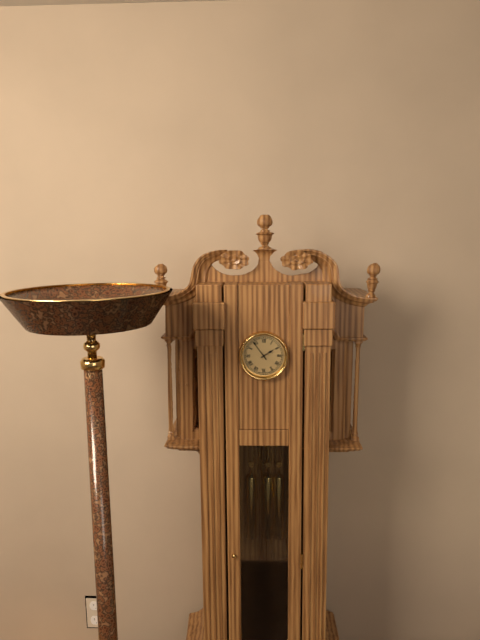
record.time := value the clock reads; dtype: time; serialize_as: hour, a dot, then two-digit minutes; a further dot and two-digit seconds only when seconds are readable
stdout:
1.54
